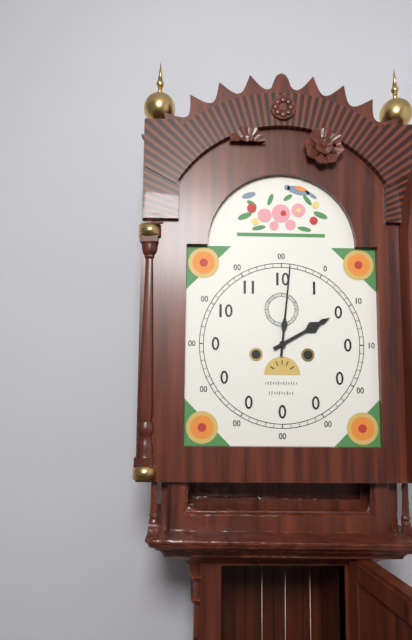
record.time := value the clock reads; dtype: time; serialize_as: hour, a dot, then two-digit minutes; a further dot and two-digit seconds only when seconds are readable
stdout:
2.01
